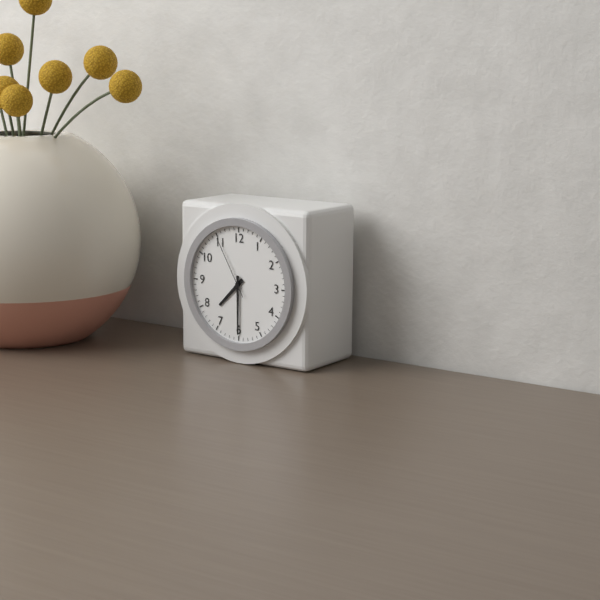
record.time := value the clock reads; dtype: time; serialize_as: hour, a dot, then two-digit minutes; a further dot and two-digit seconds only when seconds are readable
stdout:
7.30.55
